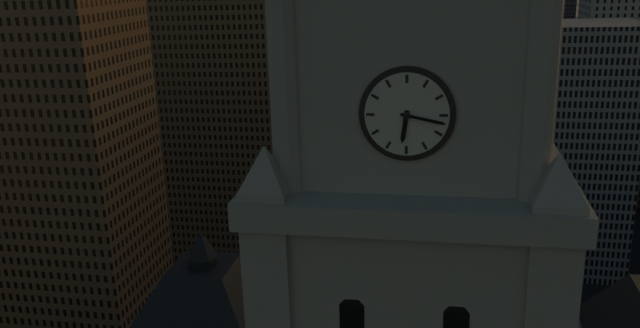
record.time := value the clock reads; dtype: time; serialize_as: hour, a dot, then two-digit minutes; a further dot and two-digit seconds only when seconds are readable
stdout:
6.17
